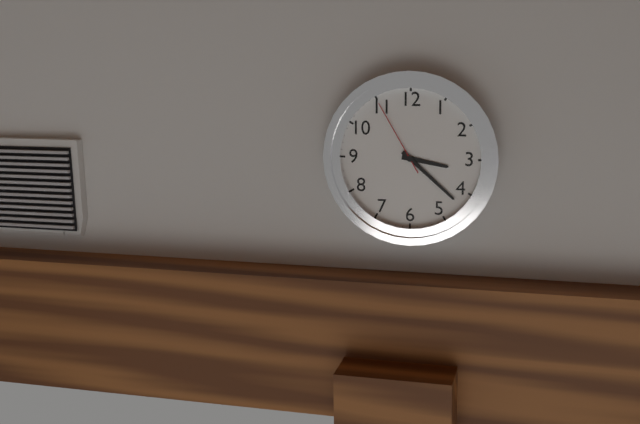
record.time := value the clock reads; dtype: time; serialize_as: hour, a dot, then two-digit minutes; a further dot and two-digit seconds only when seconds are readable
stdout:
3.22.55
